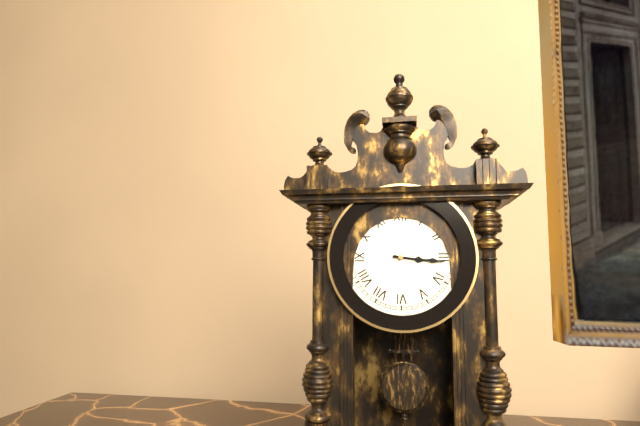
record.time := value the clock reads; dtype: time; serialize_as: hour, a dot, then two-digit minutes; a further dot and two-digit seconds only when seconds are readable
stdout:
3.16
